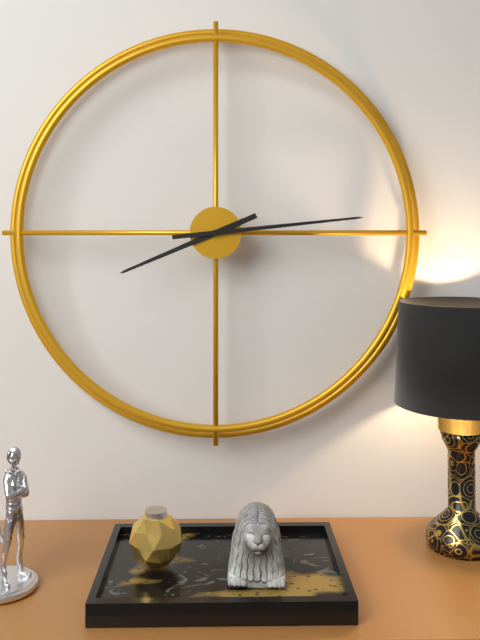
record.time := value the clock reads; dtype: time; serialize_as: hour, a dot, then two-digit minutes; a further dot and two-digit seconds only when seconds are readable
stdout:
8.14
